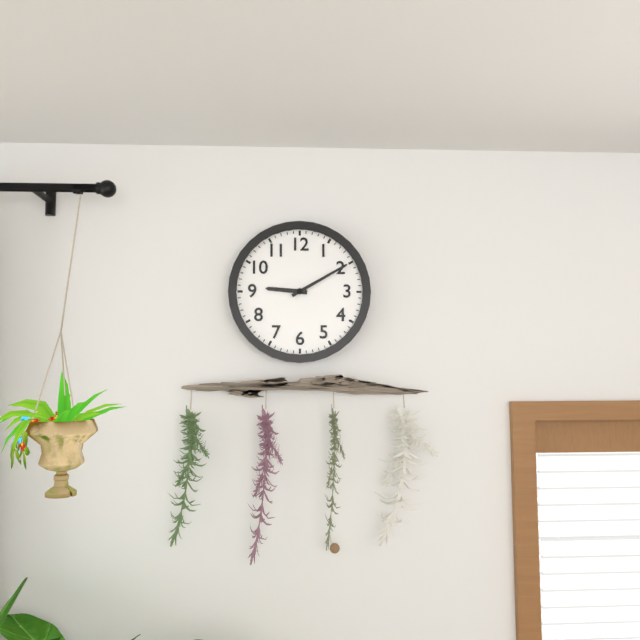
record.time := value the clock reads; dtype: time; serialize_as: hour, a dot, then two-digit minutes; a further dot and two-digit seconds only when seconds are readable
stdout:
9.10
